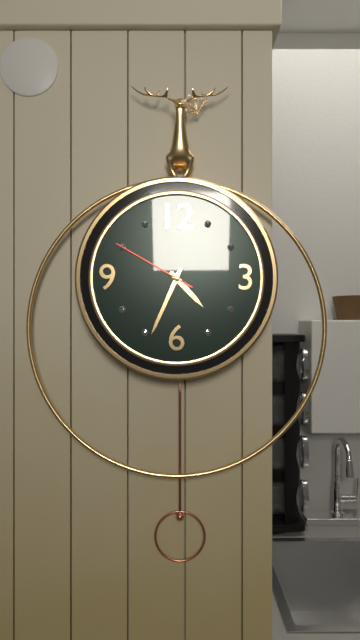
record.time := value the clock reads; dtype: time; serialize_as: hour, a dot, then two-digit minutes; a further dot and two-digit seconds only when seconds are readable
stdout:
4.34.50
